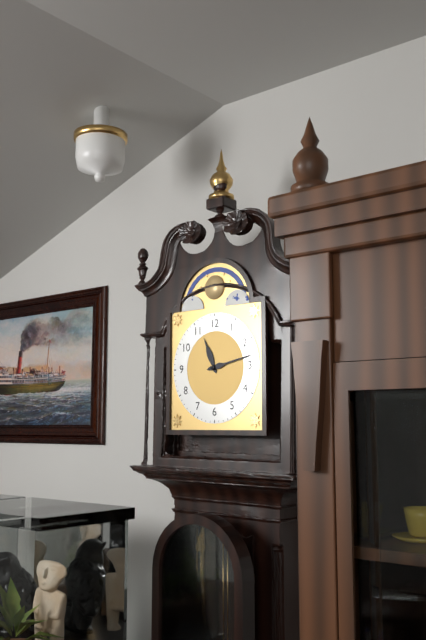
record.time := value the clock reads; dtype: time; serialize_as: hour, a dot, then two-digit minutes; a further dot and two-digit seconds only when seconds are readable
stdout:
11.13
